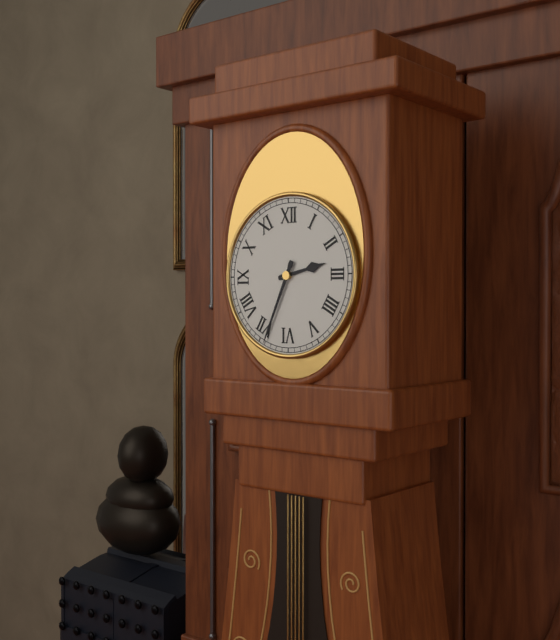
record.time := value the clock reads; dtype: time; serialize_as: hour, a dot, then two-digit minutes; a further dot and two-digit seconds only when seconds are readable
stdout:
2.34
